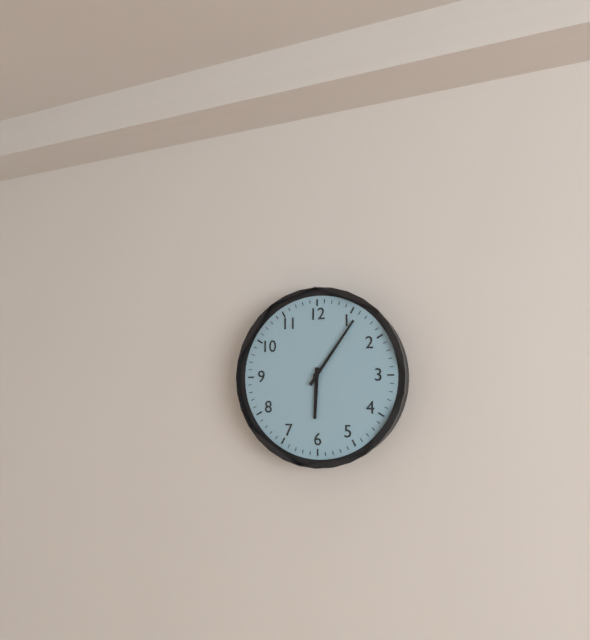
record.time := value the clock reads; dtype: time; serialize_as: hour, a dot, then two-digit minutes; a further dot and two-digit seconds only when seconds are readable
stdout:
6.06
